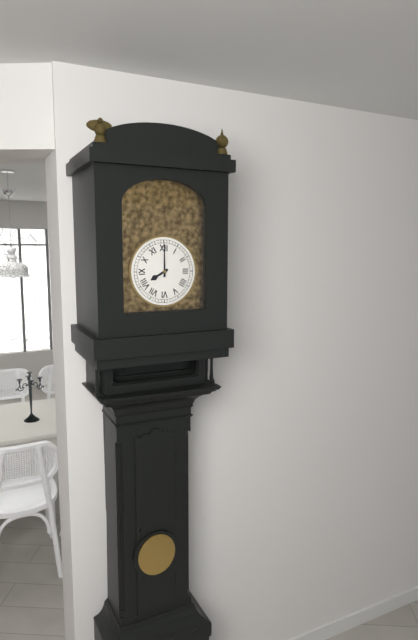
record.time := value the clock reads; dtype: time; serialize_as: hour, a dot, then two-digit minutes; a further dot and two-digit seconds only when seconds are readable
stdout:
8.00
